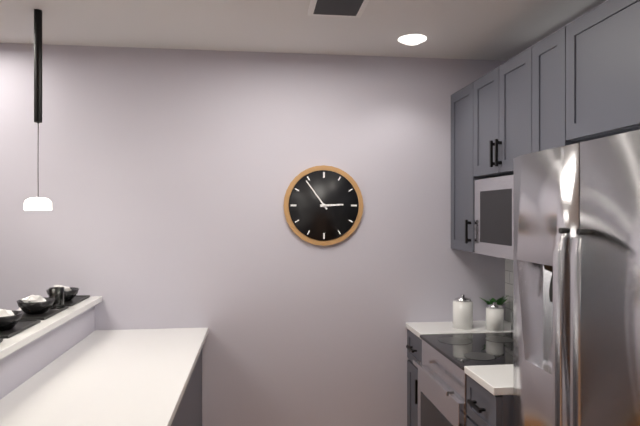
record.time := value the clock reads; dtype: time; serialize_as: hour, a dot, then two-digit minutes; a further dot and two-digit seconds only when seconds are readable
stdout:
2.54
